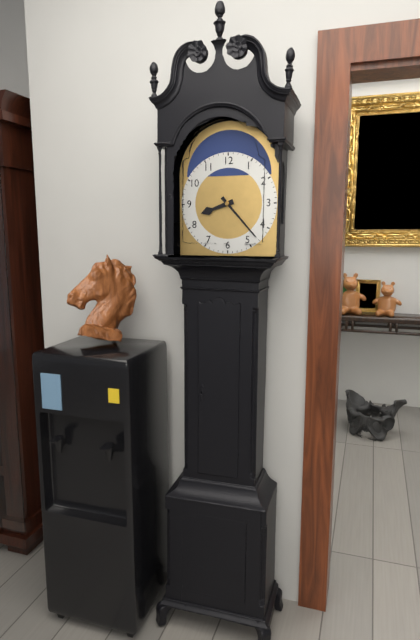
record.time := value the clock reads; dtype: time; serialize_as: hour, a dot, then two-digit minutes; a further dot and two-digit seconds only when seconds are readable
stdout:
8.23
